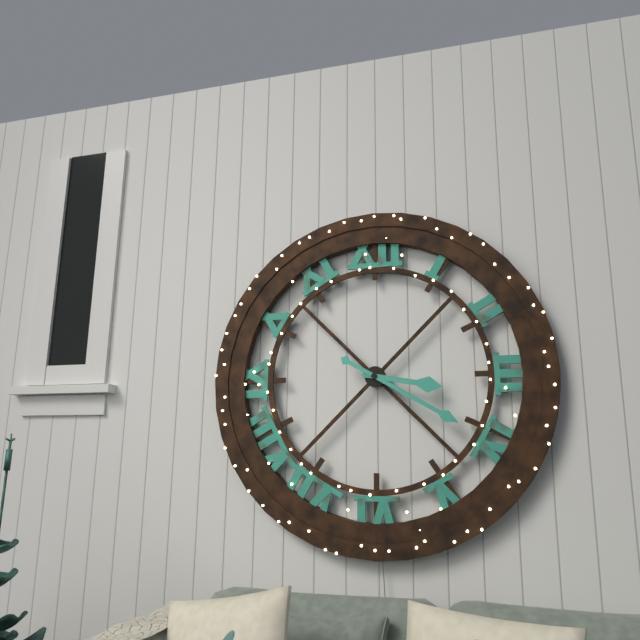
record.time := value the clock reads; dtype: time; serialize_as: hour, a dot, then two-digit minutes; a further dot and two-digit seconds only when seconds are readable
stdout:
3.20
